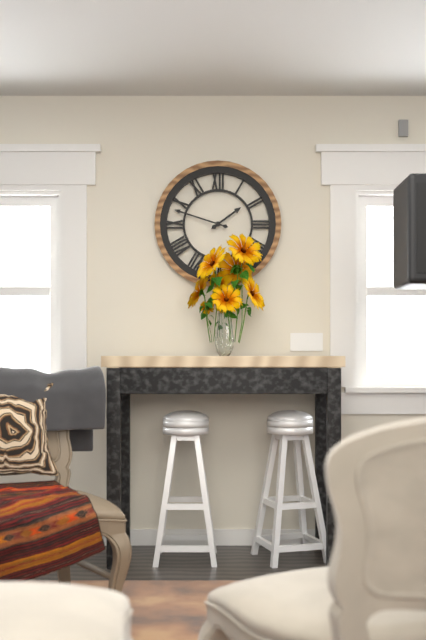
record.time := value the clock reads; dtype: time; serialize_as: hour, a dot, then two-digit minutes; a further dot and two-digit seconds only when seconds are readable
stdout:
1.48
